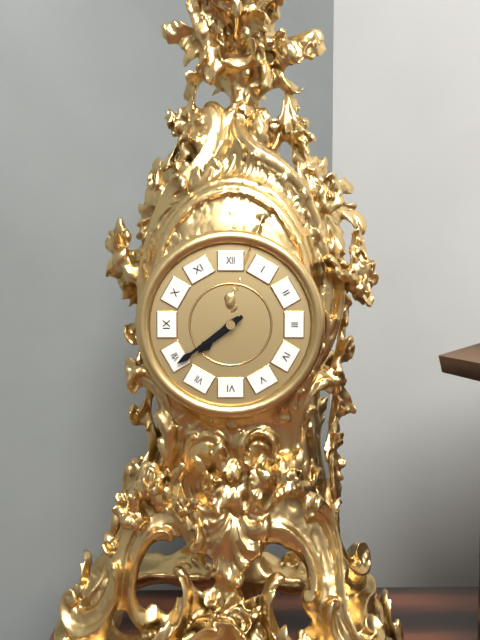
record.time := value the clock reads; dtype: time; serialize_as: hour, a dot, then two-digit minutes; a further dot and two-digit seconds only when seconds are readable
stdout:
7.39
